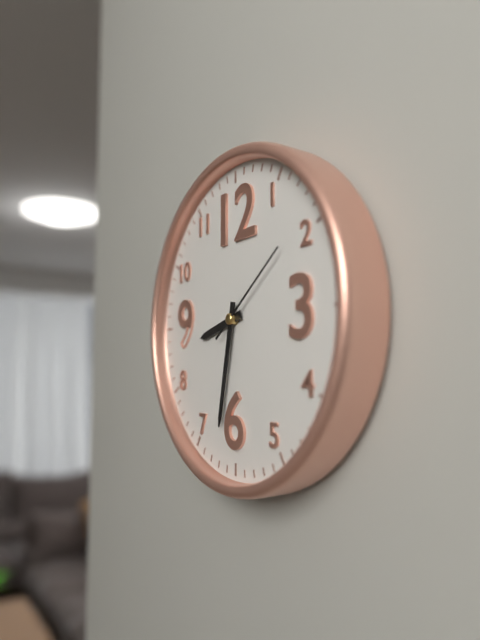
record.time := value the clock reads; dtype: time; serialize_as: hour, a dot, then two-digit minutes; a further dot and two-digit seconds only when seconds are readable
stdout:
8.32.09
